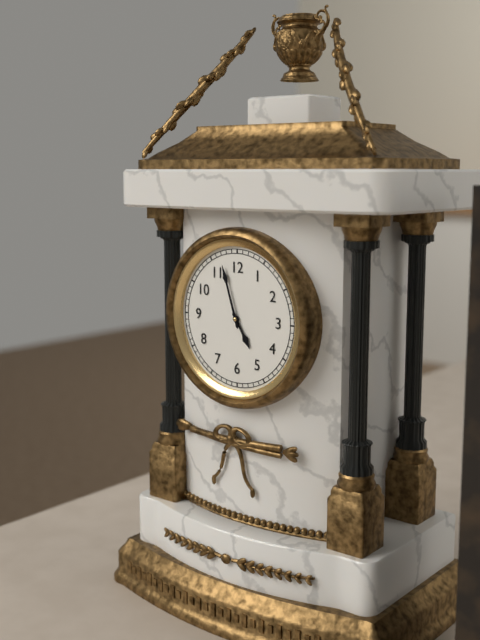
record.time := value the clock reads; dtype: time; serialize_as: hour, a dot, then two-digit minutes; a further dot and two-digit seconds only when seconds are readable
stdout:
4.57
